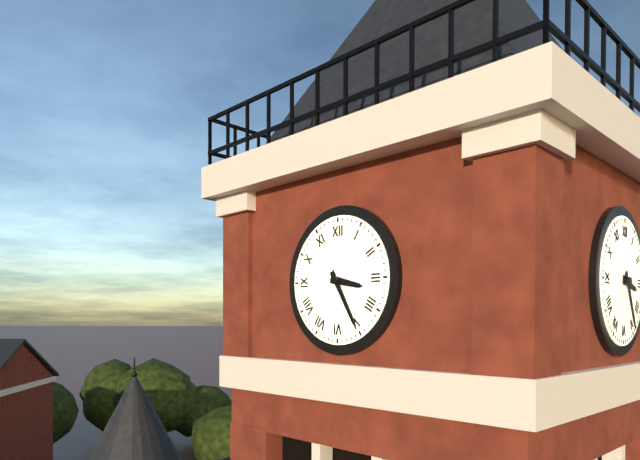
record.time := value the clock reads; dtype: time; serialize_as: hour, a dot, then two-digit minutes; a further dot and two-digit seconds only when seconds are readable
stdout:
3.25
